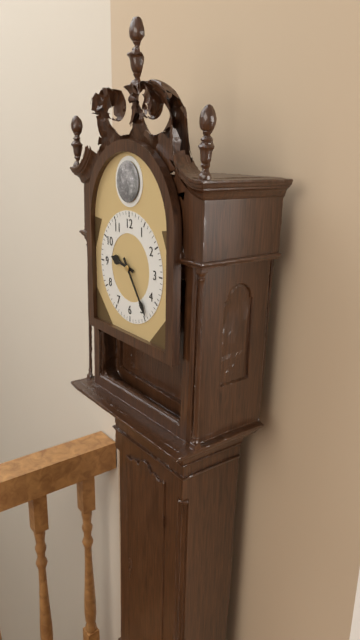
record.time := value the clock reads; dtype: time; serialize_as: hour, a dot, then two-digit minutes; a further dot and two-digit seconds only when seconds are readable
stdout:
9.24
